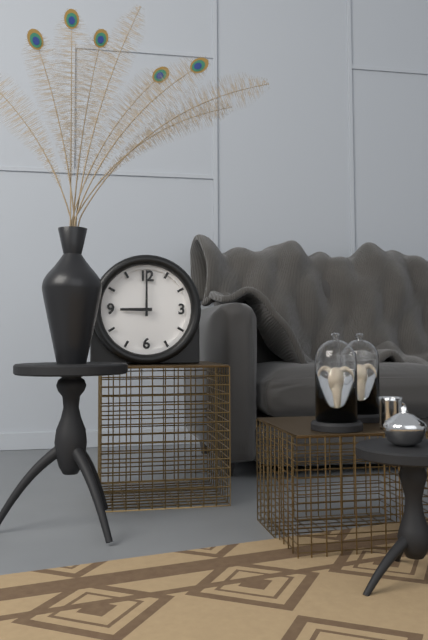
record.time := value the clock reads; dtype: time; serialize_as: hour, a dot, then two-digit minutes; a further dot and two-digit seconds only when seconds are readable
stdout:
9.00
